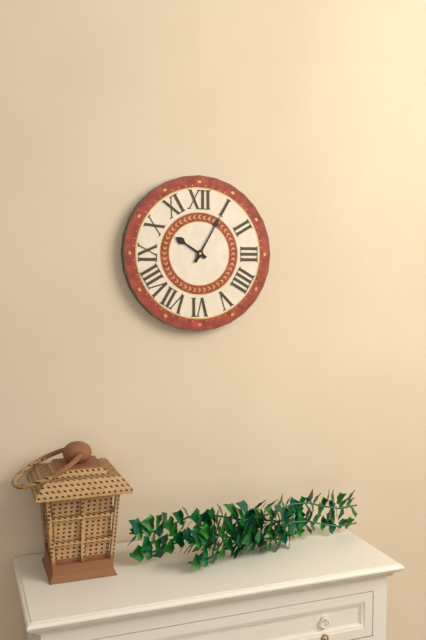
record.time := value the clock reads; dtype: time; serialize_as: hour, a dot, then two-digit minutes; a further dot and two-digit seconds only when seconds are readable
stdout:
10.05
